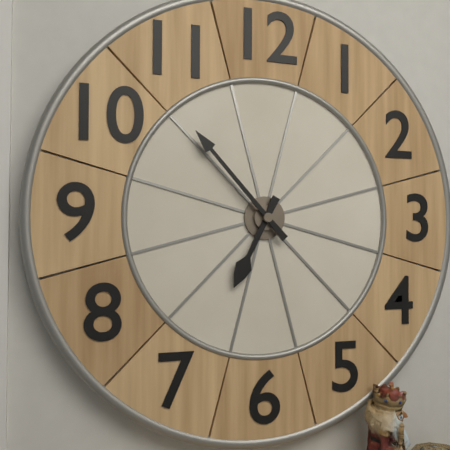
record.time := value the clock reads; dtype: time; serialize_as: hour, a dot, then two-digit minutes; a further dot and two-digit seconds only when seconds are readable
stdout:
6.53
